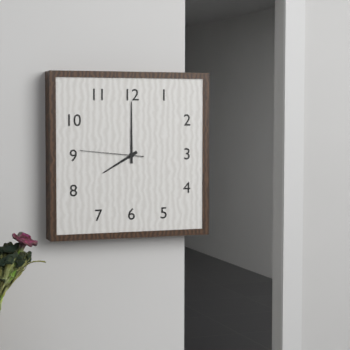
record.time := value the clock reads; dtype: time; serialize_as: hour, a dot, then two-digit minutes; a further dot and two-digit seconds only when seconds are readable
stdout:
8.00.46
